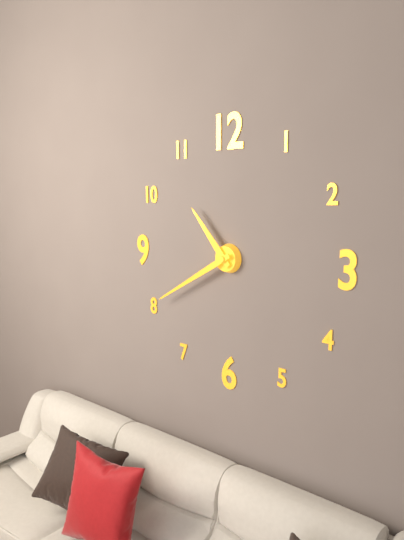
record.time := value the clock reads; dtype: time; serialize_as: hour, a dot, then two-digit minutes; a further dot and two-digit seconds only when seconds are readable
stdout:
10.40
